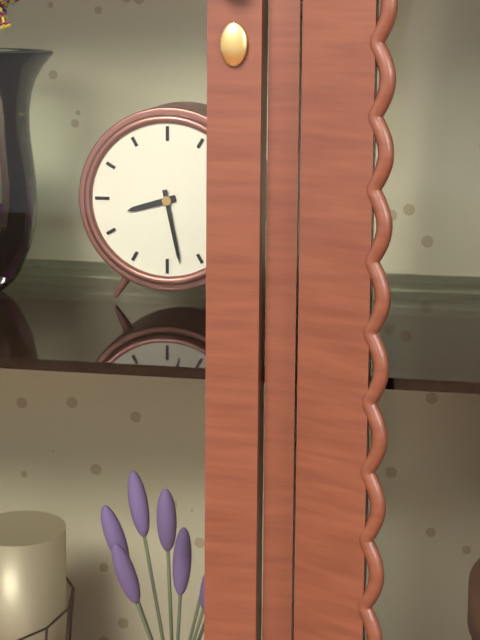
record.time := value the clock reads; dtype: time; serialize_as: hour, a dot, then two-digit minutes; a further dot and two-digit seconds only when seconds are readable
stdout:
8.28
